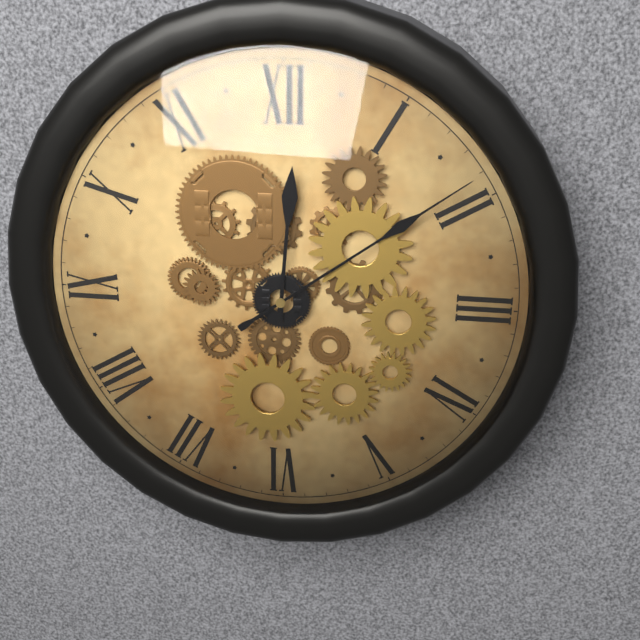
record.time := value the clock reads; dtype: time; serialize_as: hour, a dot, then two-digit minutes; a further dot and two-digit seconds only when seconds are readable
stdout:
12.09
